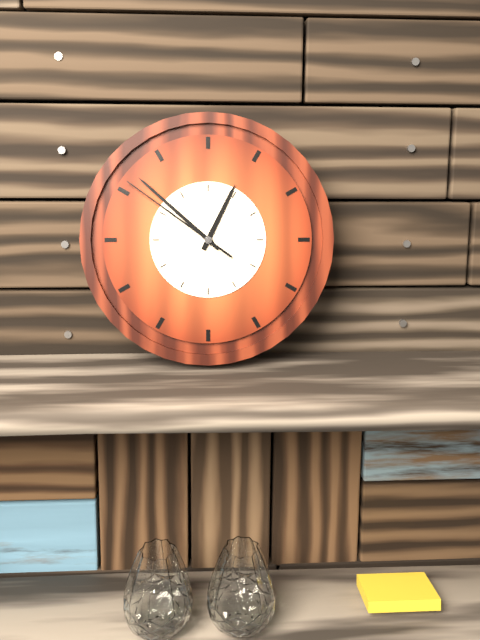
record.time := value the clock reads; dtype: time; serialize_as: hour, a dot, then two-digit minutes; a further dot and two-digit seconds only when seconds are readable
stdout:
12.52.51
